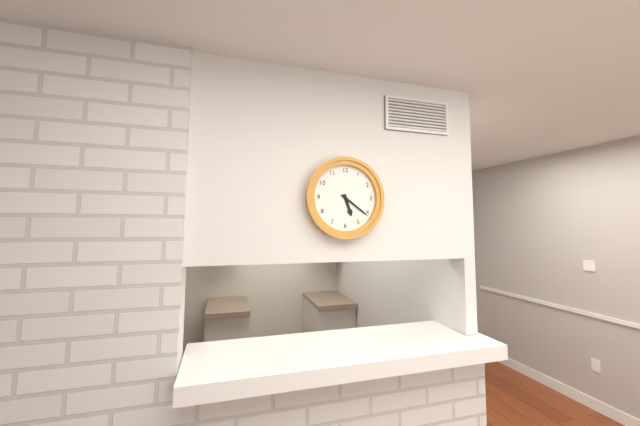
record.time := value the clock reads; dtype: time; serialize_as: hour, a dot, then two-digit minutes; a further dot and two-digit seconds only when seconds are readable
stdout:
5.21
